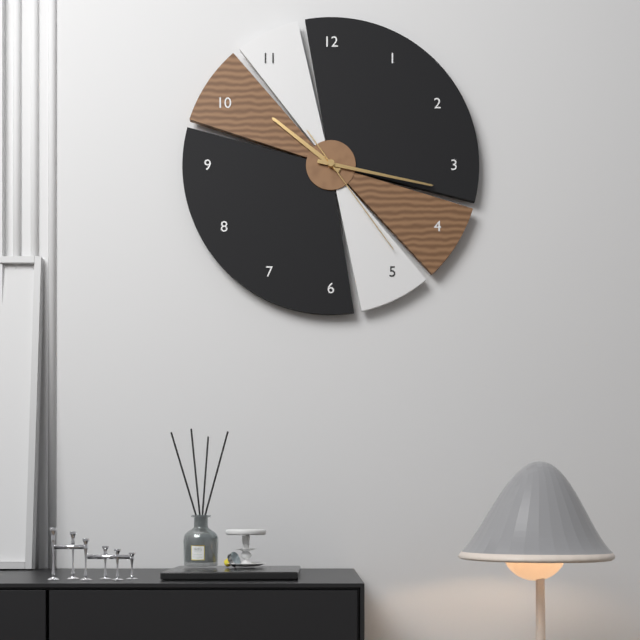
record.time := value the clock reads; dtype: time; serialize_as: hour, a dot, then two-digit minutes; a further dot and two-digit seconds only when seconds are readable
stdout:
10.17.24
